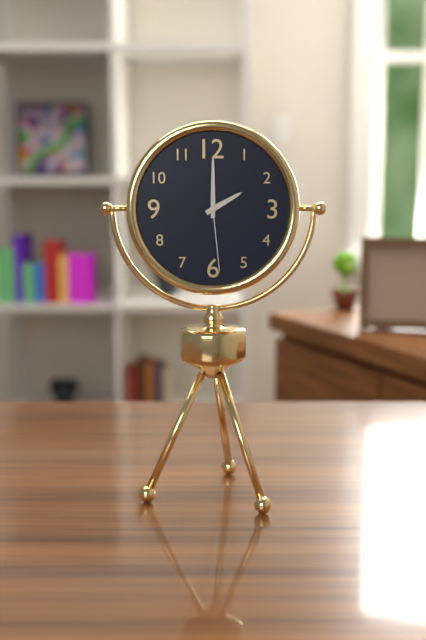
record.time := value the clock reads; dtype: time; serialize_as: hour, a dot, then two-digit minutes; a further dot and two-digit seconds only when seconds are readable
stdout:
2.00.29
